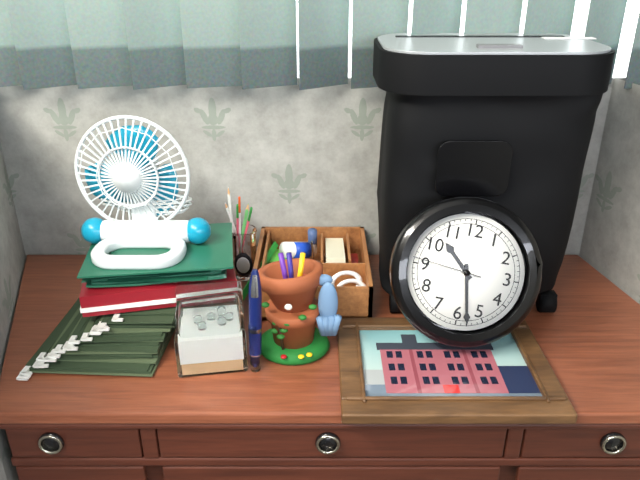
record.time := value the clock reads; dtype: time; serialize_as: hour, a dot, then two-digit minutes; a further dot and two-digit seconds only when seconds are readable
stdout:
10.28.46
